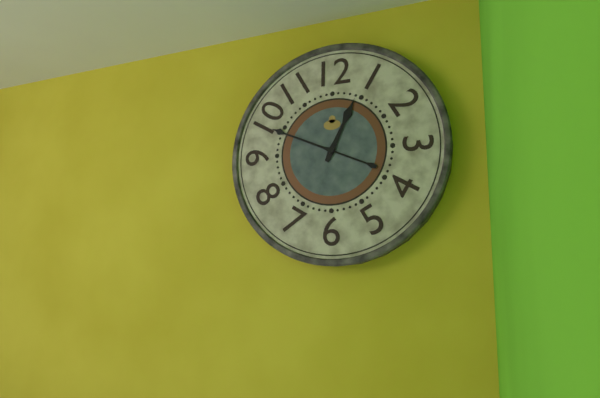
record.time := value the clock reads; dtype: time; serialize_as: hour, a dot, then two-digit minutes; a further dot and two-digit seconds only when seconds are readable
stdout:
12.49
